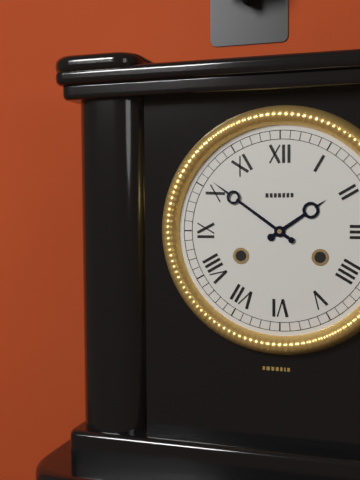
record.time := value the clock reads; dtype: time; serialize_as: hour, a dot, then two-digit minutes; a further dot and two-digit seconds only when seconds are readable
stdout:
1.51
